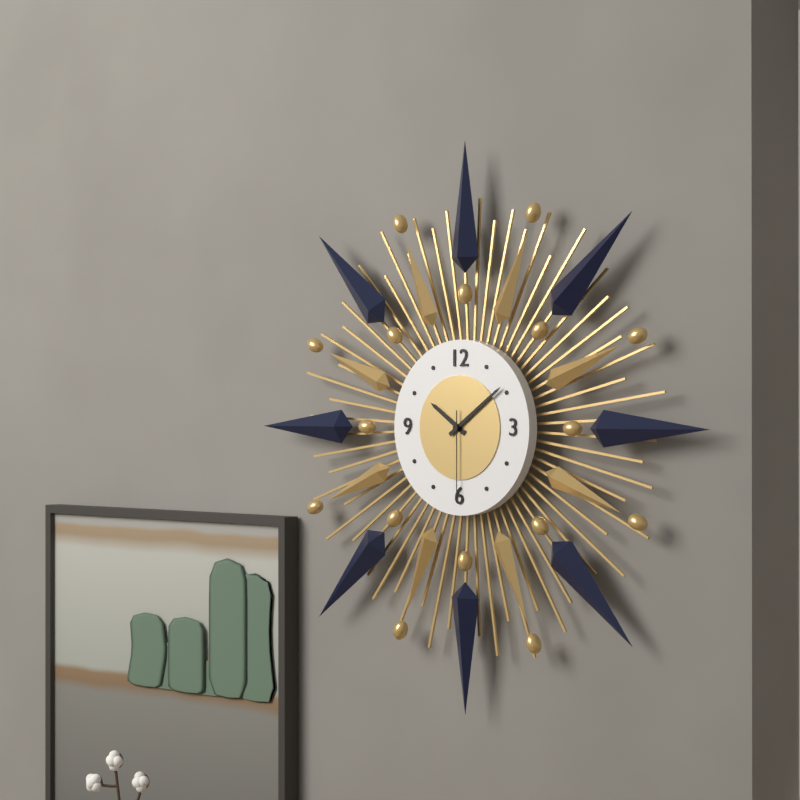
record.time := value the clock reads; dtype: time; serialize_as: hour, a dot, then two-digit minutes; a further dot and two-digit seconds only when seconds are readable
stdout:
10.09.30
